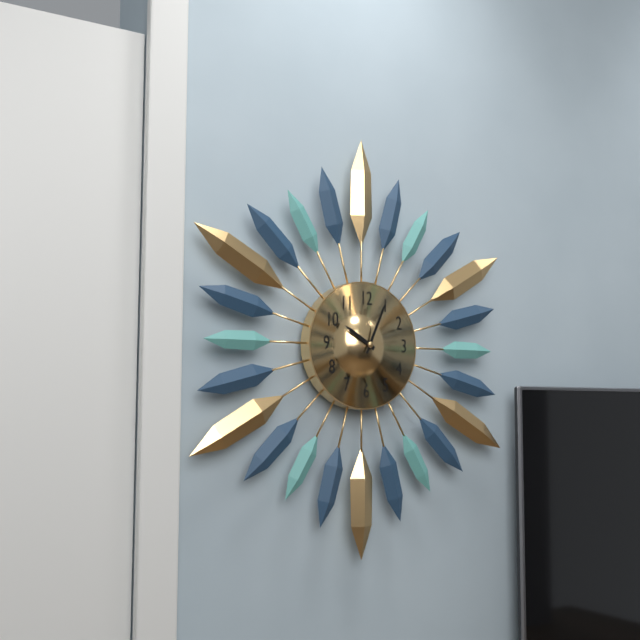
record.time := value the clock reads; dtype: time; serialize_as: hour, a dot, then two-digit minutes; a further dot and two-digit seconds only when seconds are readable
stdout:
10.04
